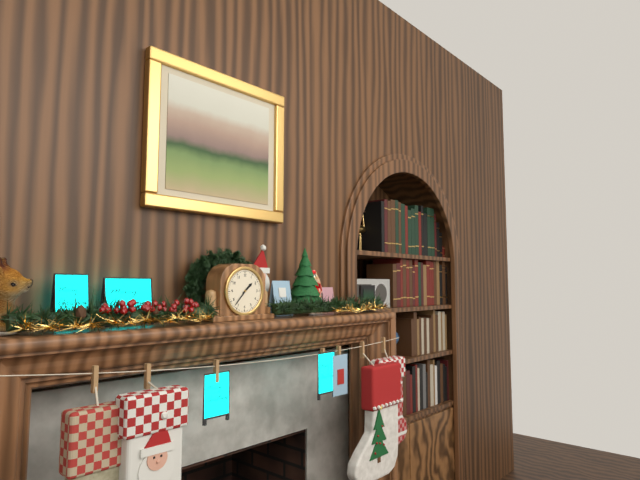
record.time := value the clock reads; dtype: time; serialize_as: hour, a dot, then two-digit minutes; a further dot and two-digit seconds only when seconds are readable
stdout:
1.37
